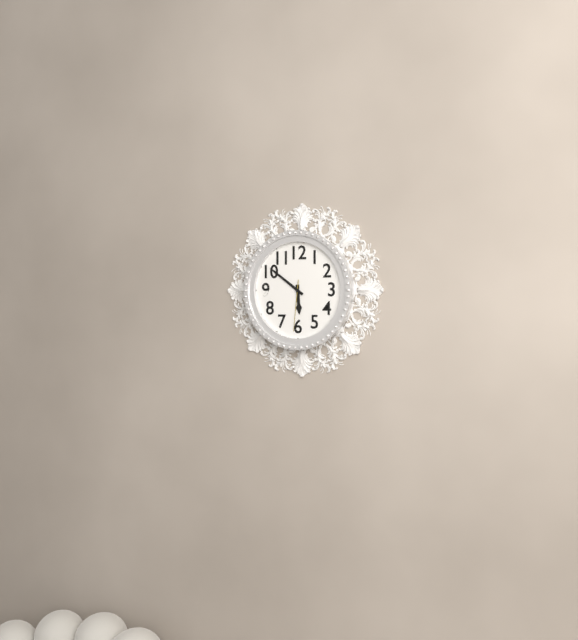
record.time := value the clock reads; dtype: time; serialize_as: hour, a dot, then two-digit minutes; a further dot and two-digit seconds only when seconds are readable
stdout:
5.51.31
